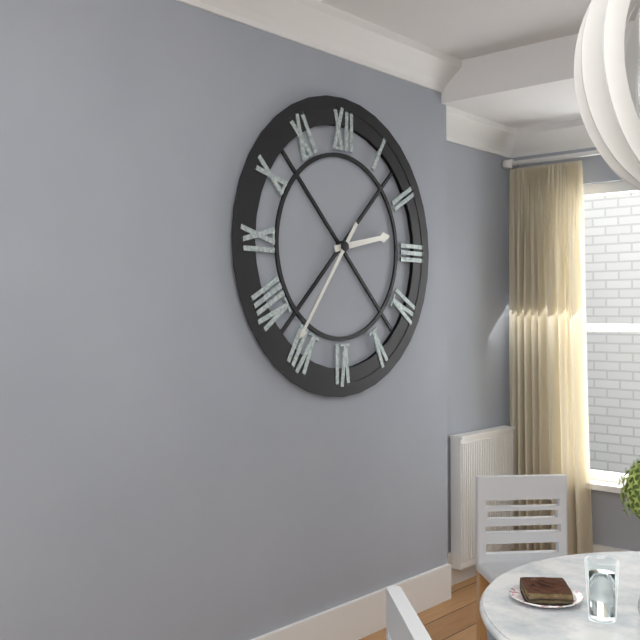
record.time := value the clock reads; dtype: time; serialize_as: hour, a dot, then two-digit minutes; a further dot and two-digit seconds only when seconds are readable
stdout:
2.36
